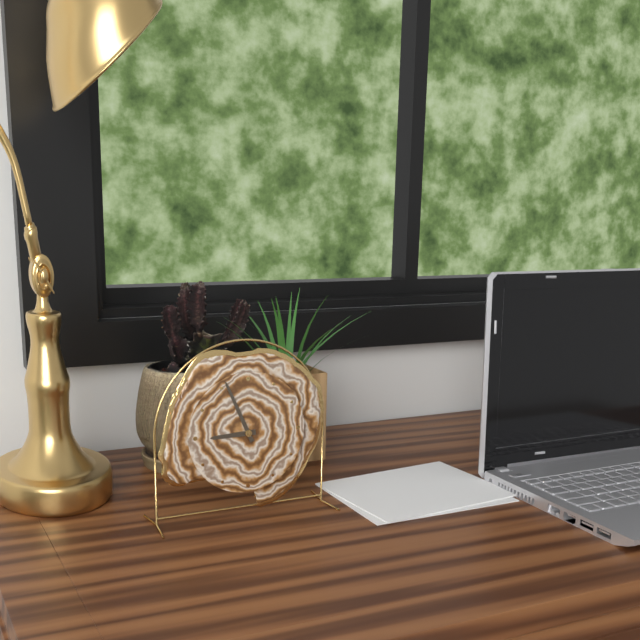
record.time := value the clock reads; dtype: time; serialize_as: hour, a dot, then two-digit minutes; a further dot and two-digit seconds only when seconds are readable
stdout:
8.56
